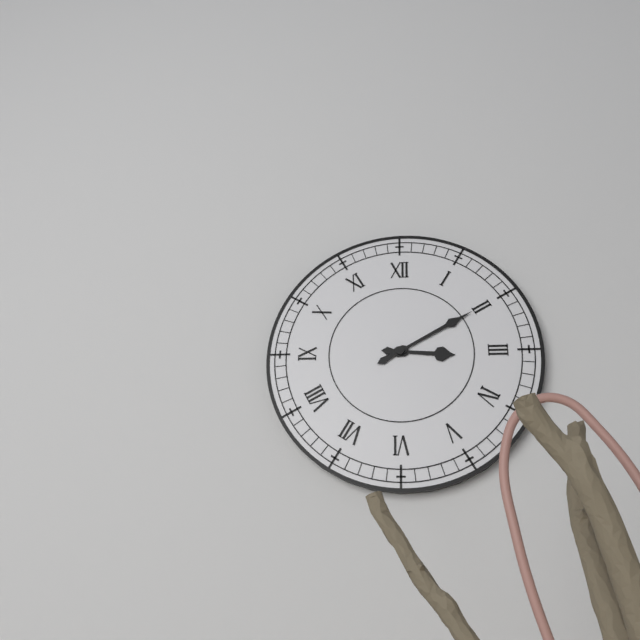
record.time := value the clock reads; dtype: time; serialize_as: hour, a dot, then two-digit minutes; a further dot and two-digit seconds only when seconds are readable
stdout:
3.10
